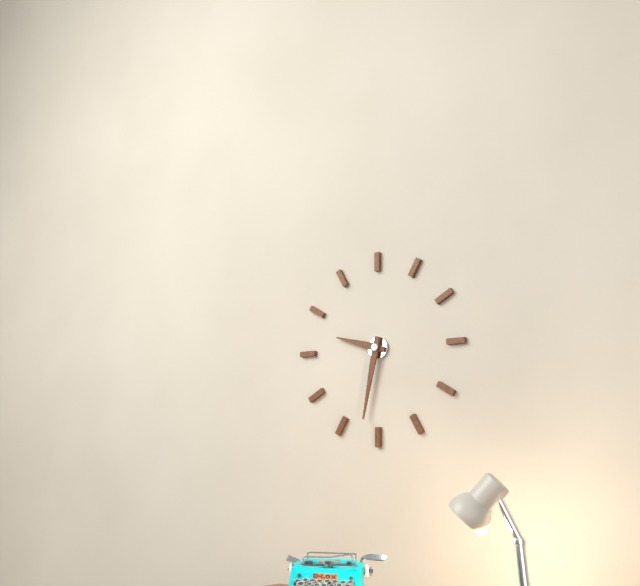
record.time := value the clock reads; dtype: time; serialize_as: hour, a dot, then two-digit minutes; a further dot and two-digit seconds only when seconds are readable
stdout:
9.32
